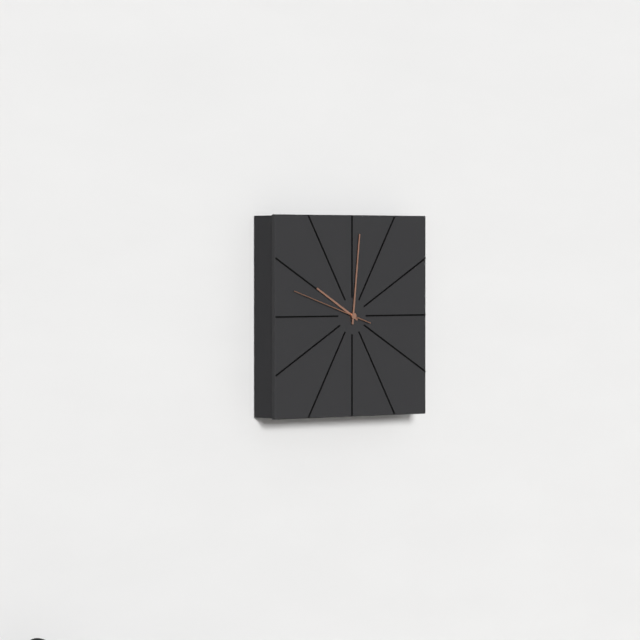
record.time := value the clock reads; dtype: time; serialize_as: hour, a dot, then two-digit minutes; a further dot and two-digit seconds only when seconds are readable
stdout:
10.01.48
